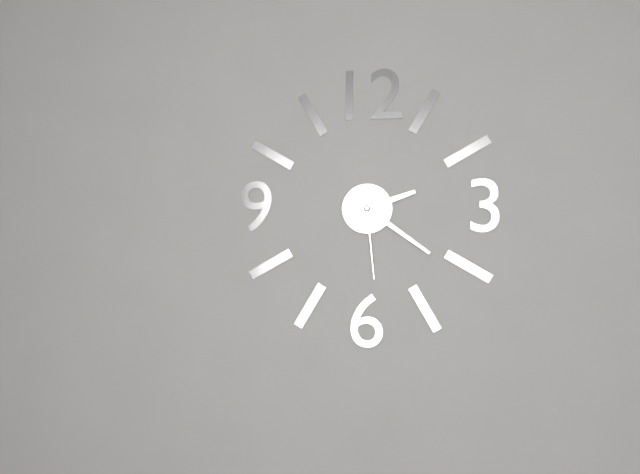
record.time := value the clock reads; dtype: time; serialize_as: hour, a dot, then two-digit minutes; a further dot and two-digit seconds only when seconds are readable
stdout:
2.21.29
